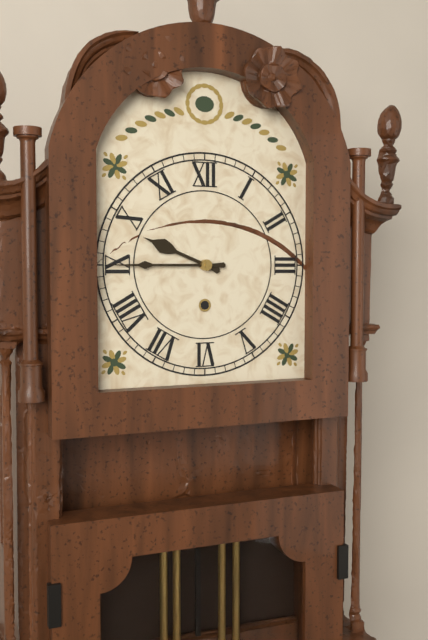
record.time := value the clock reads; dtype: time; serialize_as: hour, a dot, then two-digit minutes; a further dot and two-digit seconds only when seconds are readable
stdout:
9.45
